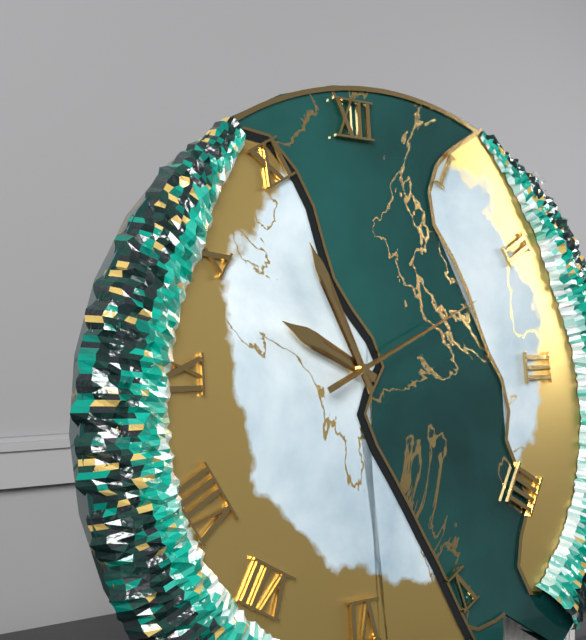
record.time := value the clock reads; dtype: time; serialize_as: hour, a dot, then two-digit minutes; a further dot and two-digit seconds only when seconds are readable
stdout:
9.56.11
